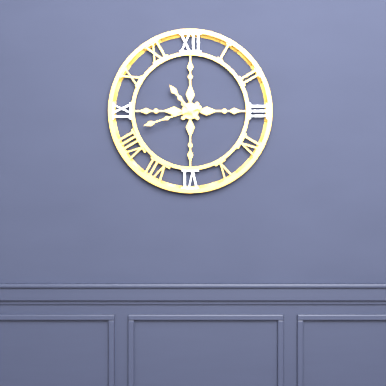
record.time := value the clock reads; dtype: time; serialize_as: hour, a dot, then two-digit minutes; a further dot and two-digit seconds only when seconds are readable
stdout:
10.42
